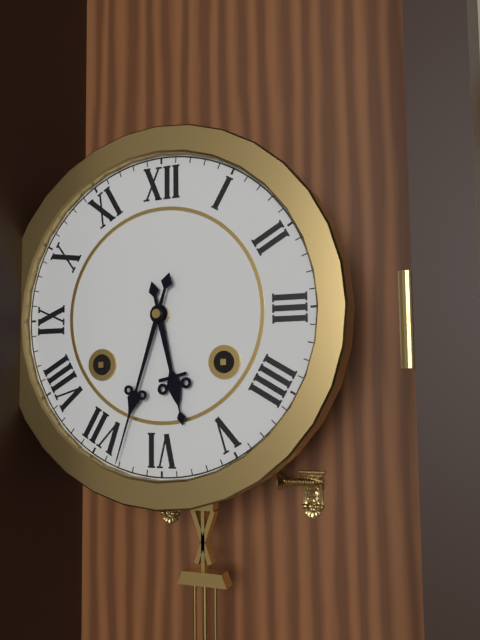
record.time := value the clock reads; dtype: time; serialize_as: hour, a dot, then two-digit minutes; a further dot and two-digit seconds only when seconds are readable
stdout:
5.33
